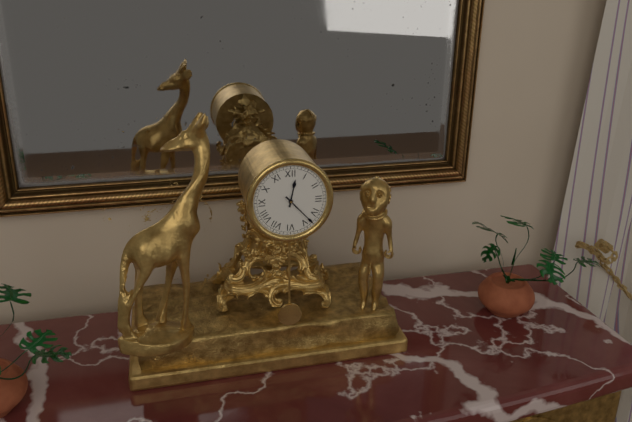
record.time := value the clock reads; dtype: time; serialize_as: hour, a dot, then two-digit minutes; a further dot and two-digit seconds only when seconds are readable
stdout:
12.23
